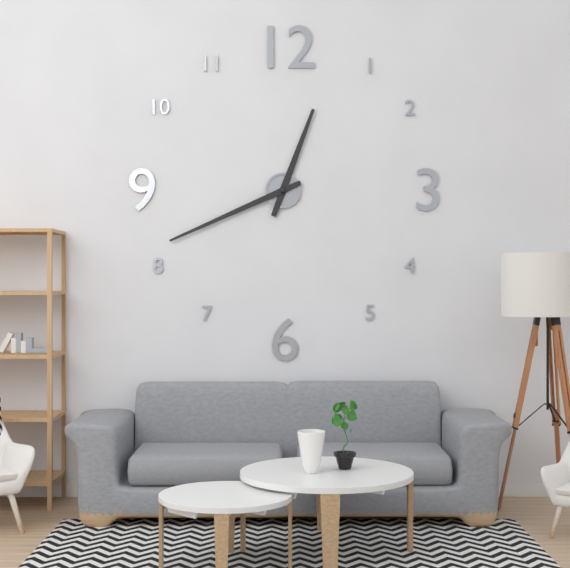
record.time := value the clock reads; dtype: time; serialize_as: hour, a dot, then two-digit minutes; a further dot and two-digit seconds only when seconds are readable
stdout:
12.41
